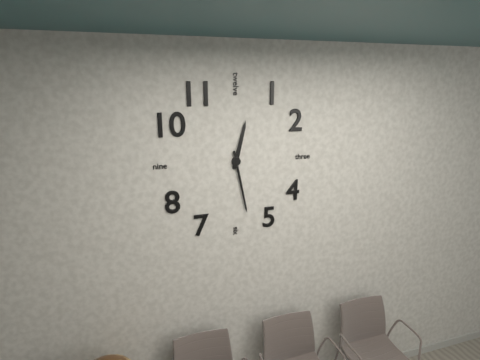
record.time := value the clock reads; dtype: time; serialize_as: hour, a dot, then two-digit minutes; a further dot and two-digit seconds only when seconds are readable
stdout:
12.28
